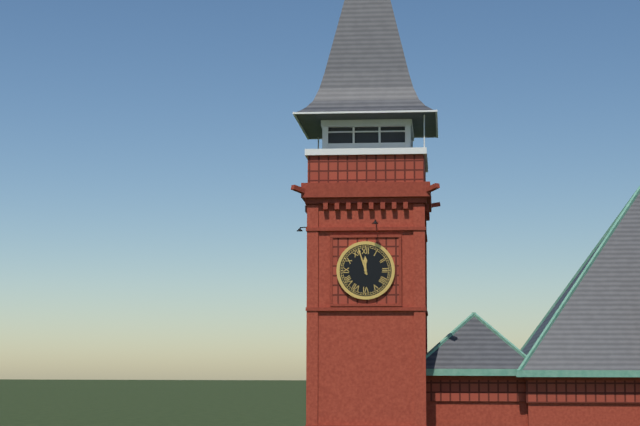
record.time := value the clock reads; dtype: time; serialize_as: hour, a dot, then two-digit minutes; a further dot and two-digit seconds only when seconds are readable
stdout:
11.57
